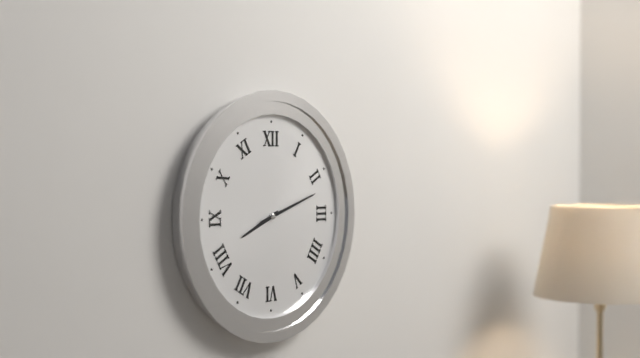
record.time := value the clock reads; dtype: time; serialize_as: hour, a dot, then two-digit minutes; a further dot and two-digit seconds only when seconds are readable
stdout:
8.12
